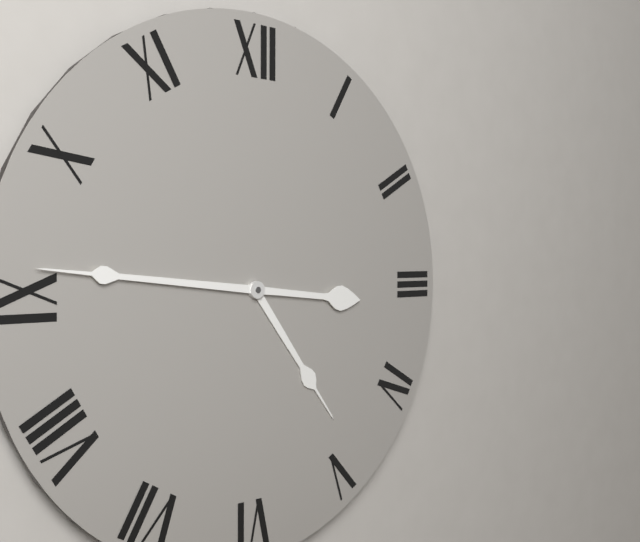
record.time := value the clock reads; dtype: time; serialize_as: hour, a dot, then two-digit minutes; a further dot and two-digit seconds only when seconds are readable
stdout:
4.46
